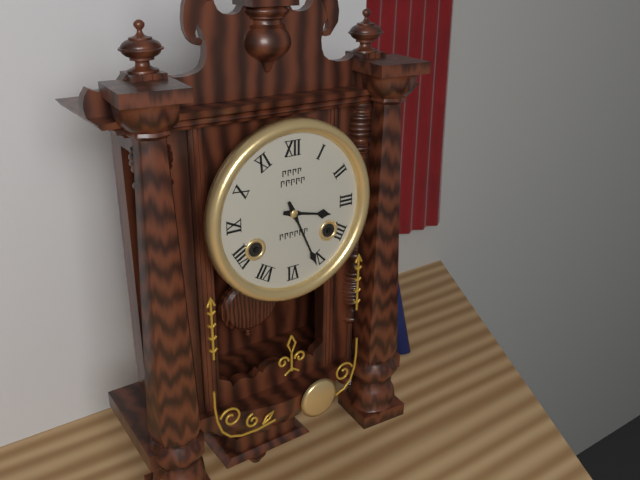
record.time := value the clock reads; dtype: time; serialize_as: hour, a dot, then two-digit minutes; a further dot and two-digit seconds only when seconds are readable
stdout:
3.26
